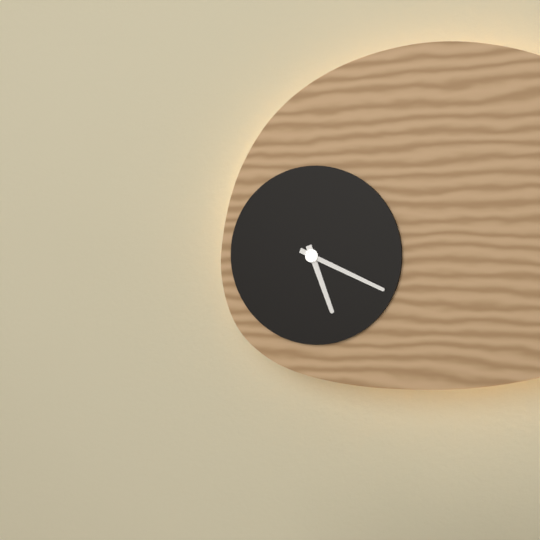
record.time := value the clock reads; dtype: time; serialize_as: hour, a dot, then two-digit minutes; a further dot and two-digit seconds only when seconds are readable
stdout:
5.19
